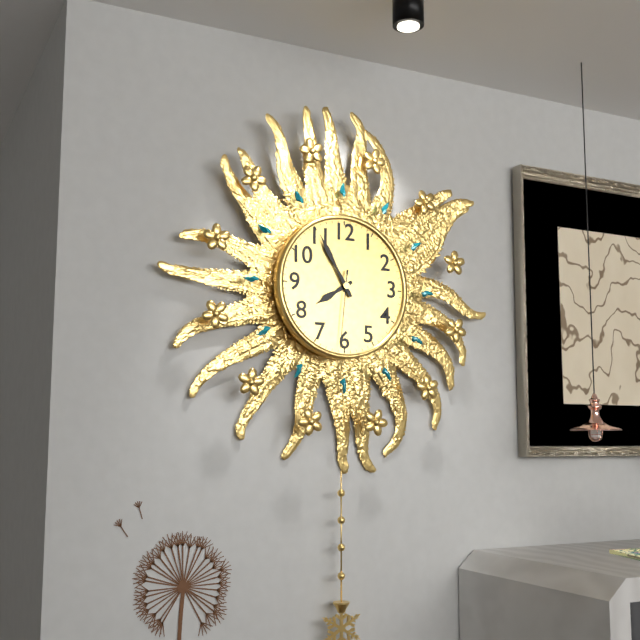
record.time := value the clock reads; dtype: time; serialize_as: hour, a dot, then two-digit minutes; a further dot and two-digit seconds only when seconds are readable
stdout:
7.55.31
